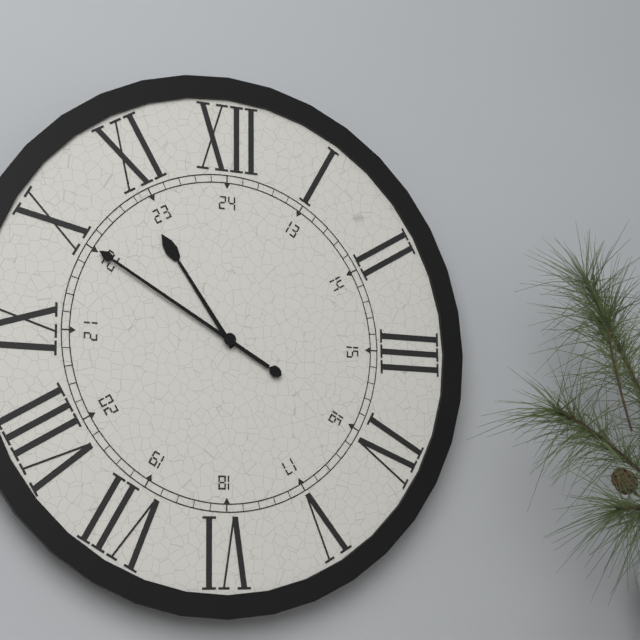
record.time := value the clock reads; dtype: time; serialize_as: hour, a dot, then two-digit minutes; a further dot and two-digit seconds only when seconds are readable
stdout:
10.50
